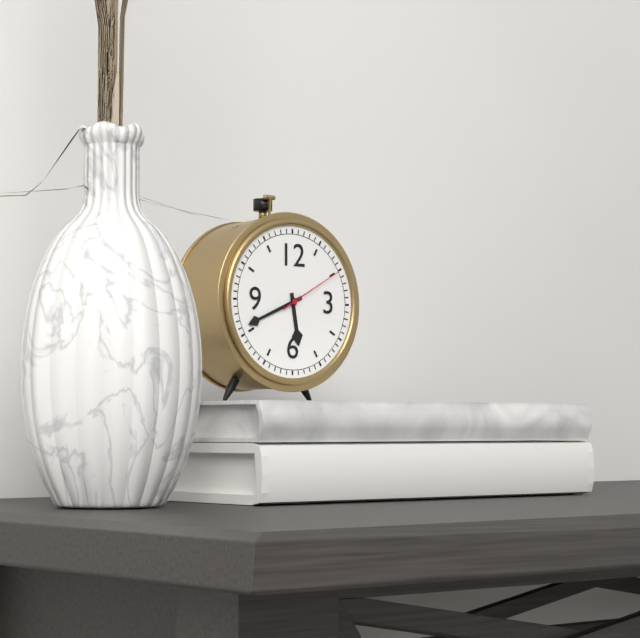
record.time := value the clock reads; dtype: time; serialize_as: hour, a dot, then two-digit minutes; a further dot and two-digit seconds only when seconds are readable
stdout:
5.41.10
